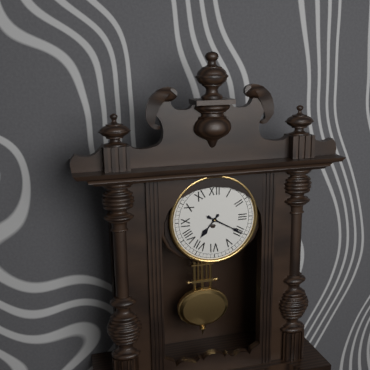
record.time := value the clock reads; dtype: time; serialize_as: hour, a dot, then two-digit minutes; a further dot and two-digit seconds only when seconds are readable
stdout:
7.20
